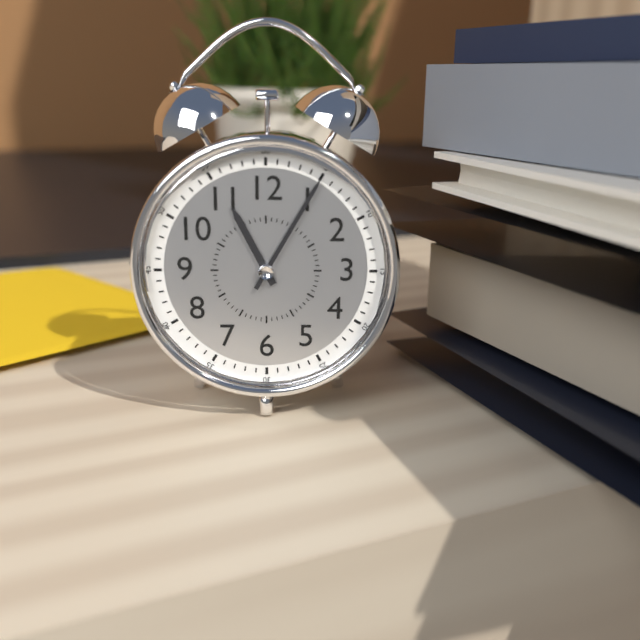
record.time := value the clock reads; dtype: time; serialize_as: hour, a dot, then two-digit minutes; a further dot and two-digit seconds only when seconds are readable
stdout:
11.05
